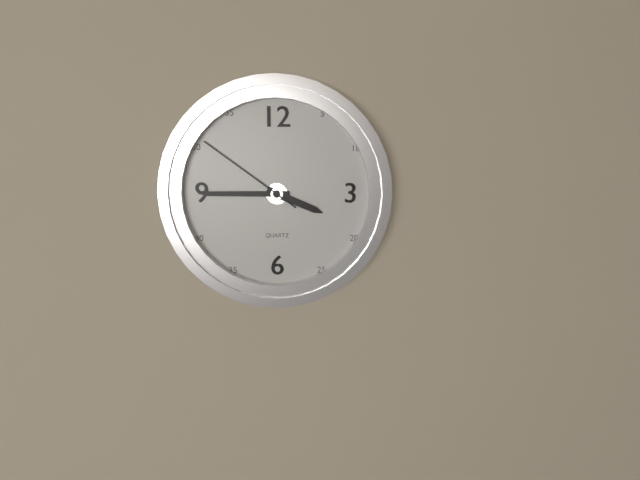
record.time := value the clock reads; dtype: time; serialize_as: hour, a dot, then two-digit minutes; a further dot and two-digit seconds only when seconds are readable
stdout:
3.45.51
